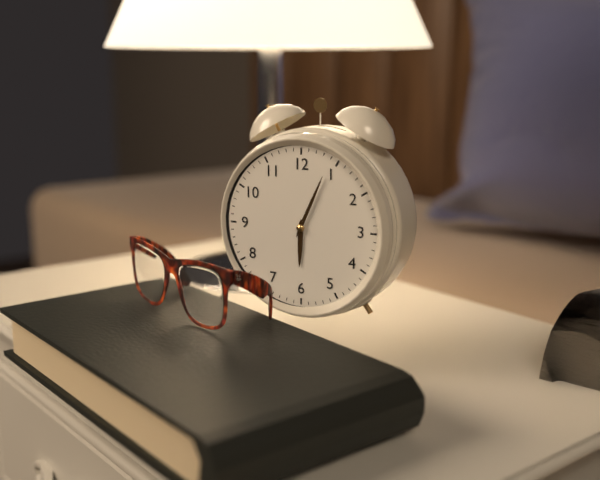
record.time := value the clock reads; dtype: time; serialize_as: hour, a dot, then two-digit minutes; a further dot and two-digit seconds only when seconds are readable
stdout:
6.04
